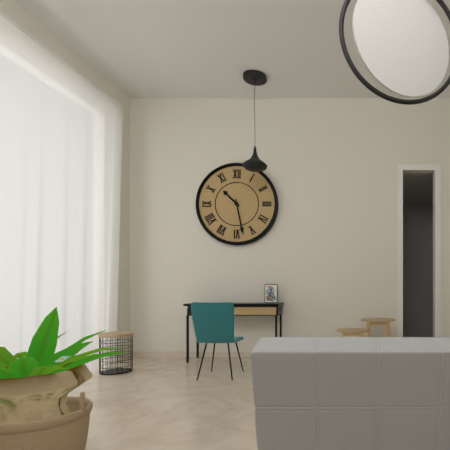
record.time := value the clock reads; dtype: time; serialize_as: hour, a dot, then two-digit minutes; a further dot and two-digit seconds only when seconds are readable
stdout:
10.28
